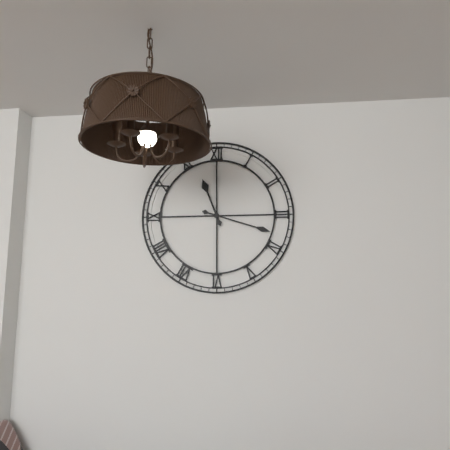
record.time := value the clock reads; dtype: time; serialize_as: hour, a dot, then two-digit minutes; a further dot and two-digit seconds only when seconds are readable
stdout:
11.18
